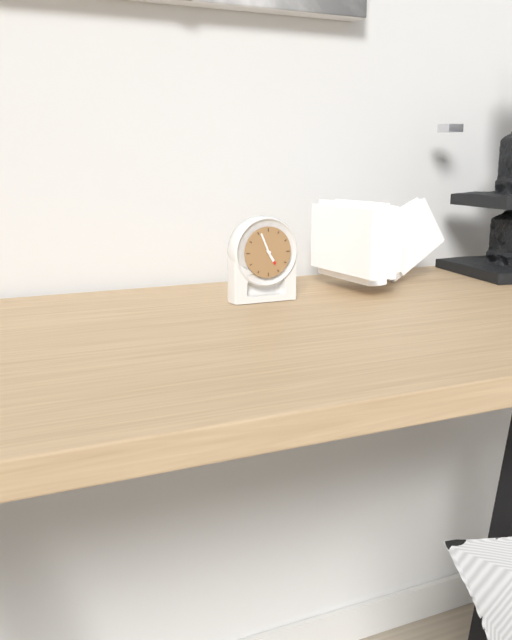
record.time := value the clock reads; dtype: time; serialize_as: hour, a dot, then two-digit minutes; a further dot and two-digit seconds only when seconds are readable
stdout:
4.56
